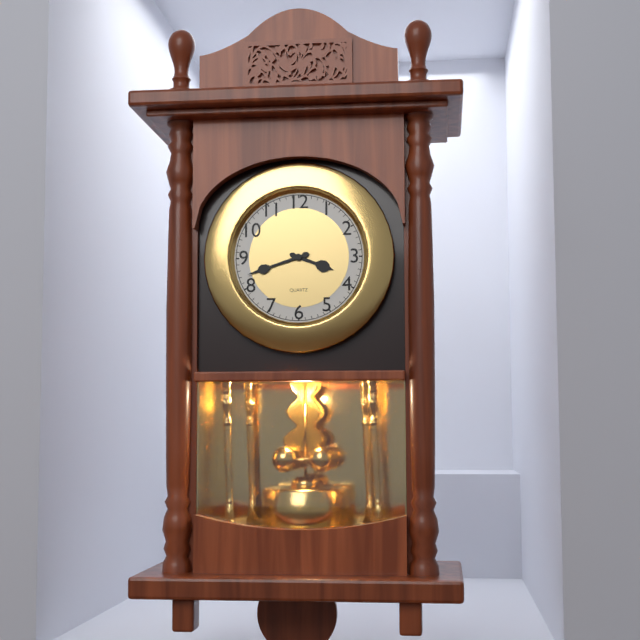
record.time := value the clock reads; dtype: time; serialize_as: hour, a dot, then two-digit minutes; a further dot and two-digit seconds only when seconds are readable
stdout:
3.42
